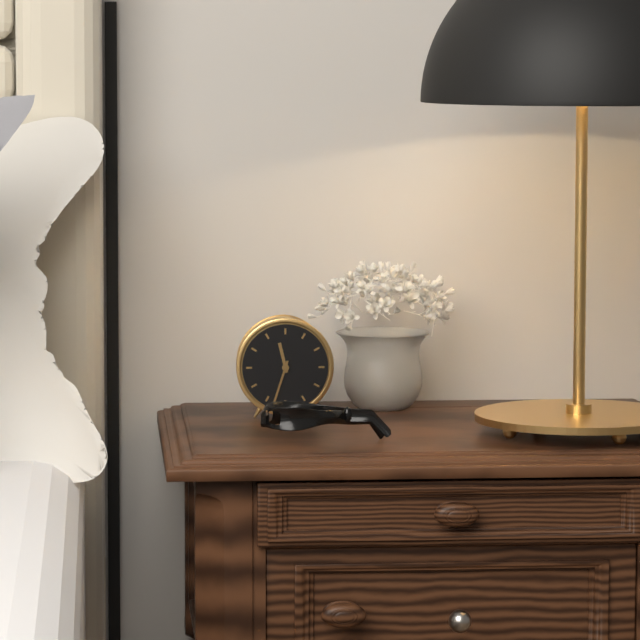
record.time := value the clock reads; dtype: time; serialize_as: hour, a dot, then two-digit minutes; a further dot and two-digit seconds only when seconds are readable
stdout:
11.33
